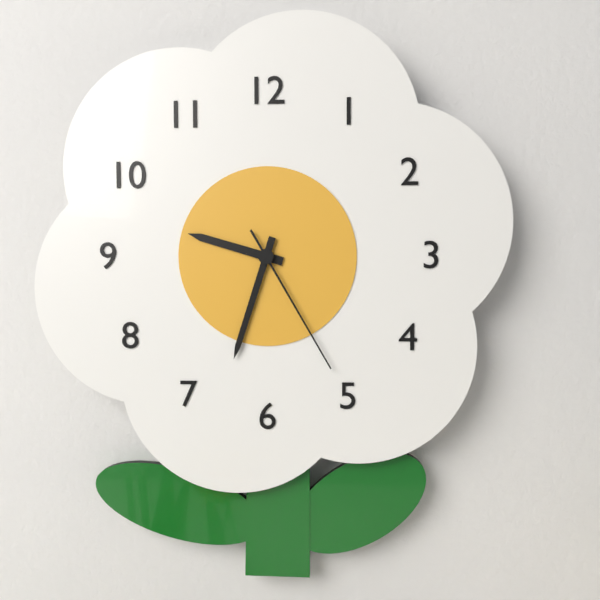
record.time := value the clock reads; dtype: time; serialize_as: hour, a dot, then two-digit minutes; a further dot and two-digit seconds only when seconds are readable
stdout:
9.33.25
